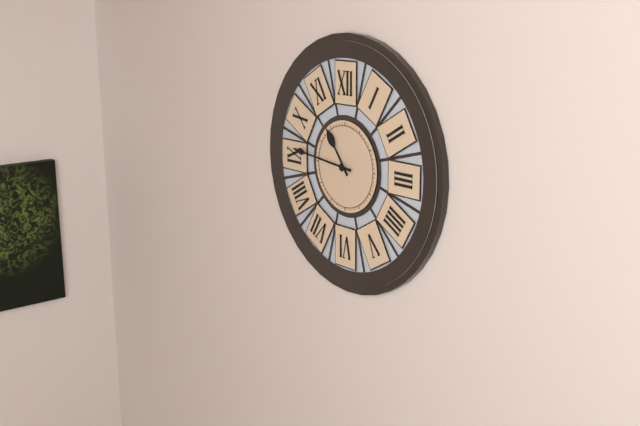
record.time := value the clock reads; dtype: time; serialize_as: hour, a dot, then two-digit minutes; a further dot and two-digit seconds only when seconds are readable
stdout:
10.46
